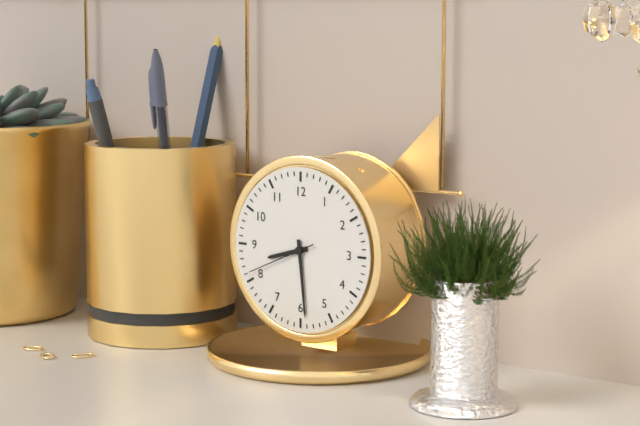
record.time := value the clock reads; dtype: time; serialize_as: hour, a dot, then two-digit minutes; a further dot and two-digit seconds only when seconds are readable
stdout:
8.29.41
